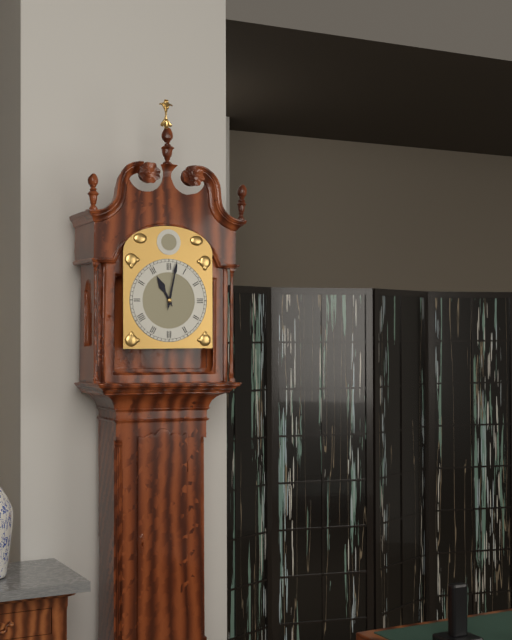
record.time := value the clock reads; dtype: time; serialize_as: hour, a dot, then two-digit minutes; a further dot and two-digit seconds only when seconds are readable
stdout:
11.02
